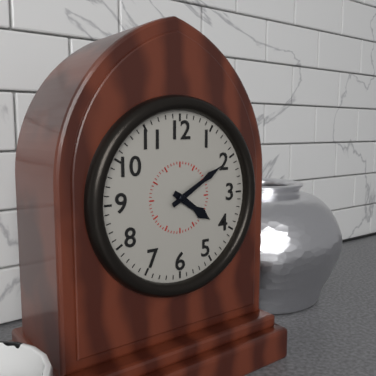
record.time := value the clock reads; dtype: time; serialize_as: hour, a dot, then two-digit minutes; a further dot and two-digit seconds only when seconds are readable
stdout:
4.10
